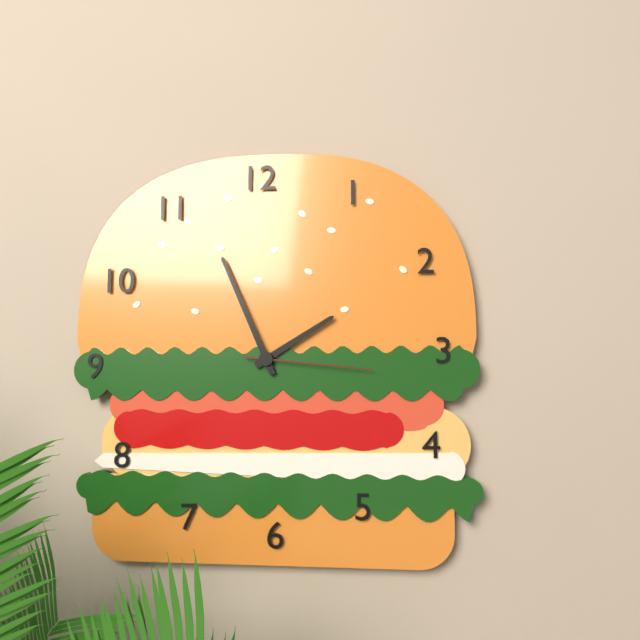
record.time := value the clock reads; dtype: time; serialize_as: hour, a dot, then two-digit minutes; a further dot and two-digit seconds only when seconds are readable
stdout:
1.56.16
